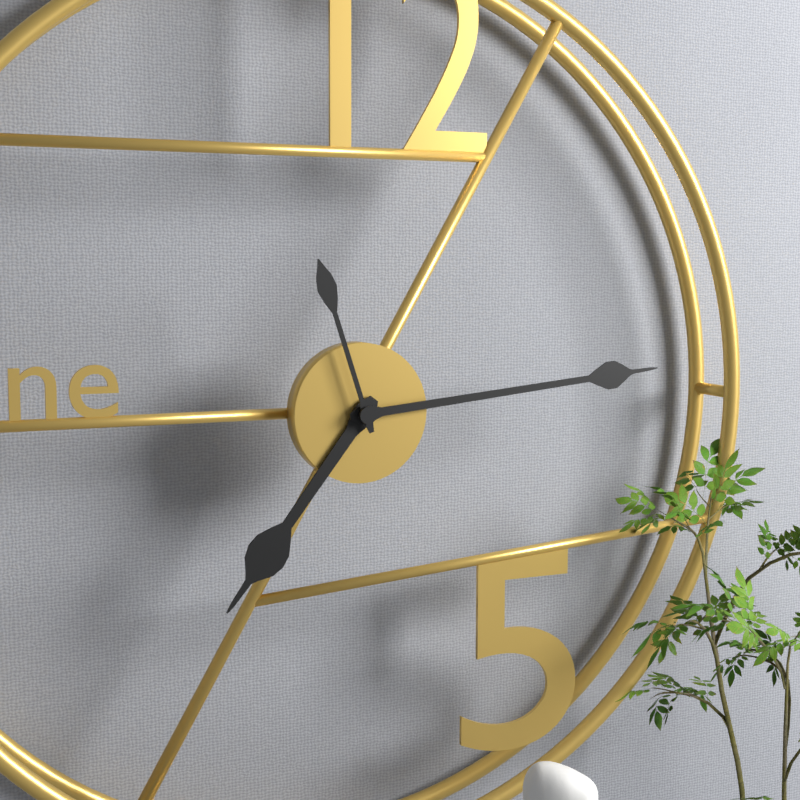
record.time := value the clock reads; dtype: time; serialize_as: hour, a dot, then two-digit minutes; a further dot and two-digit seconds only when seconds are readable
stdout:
7.14.57
